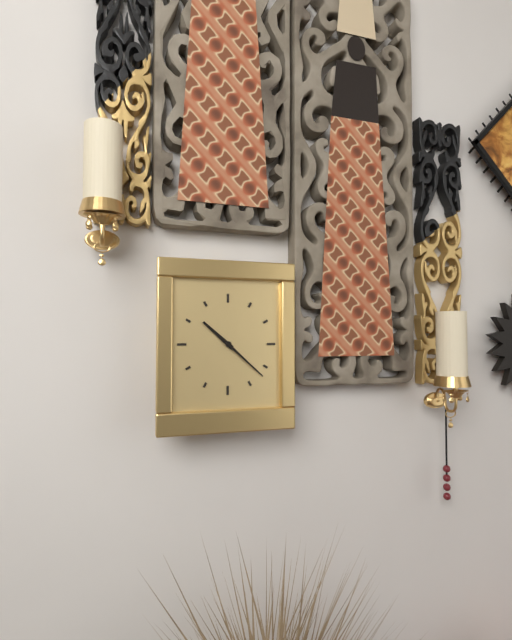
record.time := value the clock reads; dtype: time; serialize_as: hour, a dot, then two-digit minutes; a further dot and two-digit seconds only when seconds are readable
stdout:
10.22
